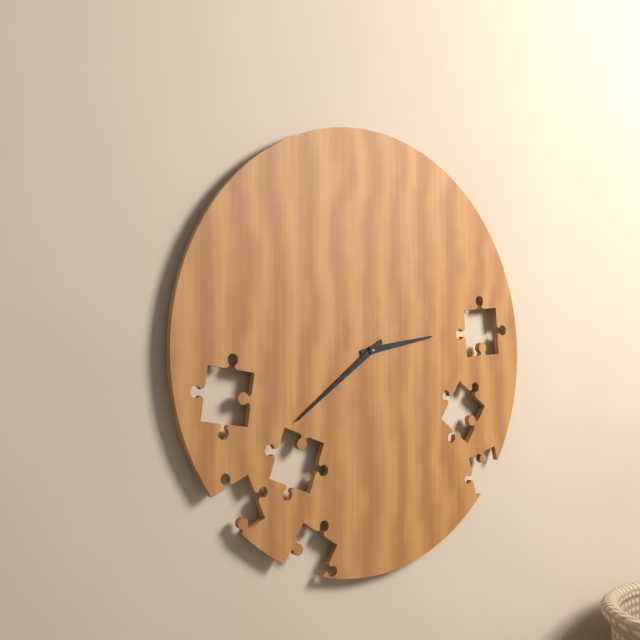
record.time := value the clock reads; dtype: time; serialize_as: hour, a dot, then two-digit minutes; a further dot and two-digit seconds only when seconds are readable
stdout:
2.39
